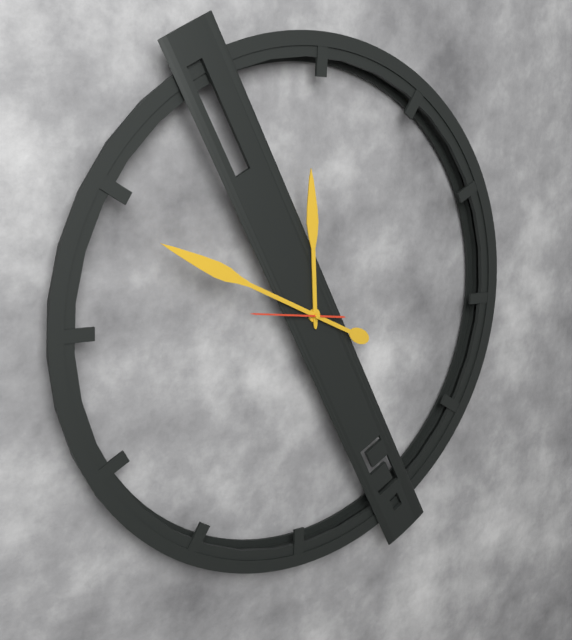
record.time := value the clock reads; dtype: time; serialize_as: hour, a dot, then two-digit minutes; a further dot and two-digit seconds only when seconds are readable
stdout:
11.49.46
